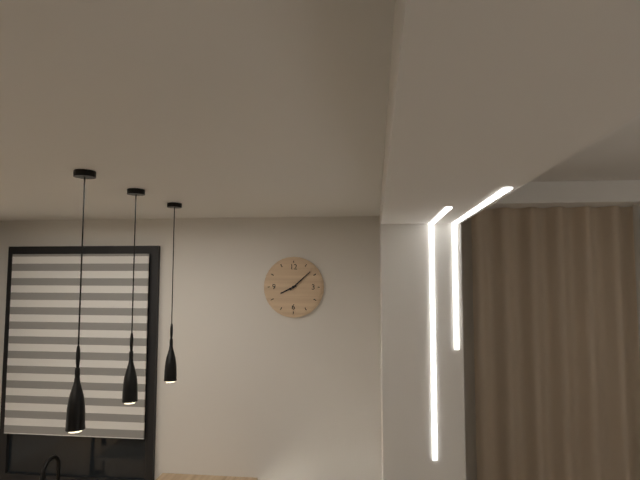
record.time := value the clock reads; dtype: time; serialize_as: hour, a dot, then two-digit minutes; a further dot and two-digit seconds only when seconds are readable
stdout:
8.08
